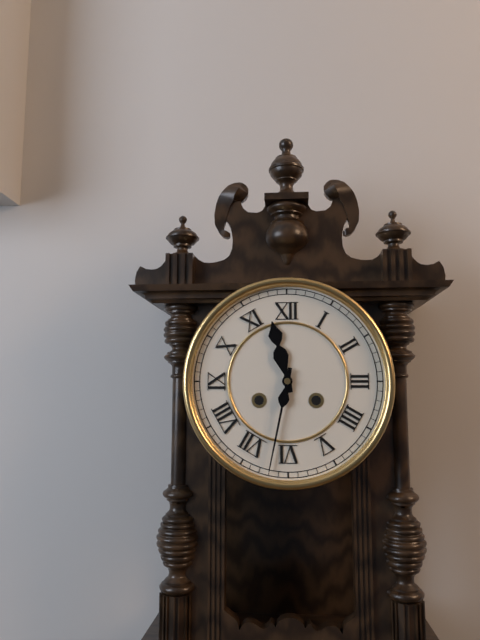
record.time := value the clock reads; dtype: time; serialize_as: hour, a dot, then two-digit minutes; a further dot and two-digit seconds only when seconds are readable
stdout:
11.32
